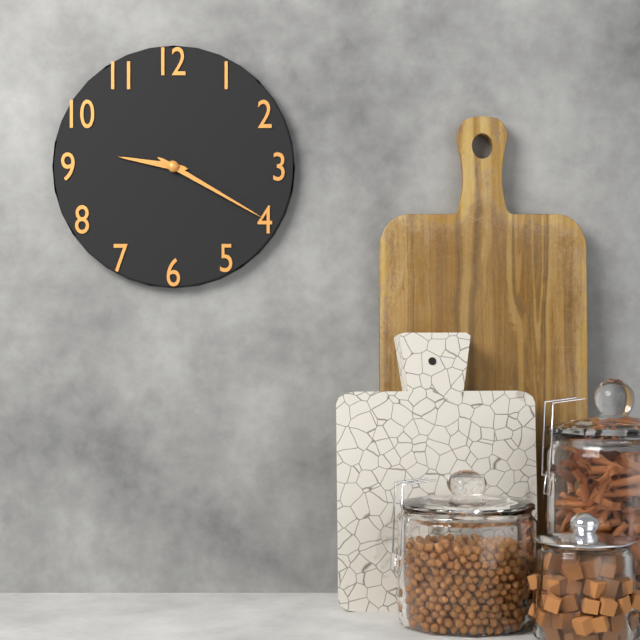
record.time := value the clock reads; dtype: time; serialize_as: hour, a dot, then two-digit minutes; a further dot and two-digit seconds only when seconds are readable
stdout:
9.20
